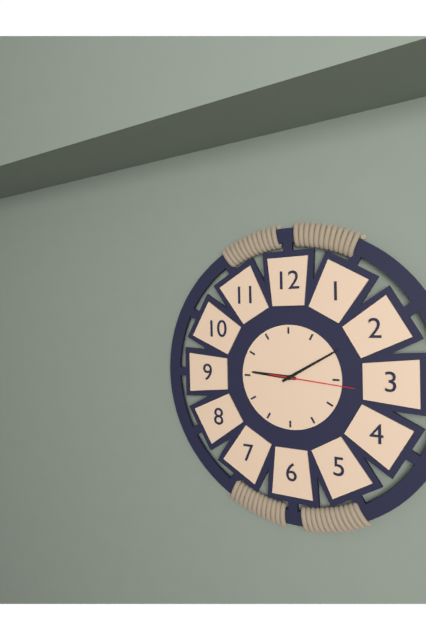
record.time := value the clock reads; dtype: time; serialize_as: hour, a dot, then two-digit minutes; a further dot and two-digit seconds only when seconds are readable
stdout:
9.10.16
